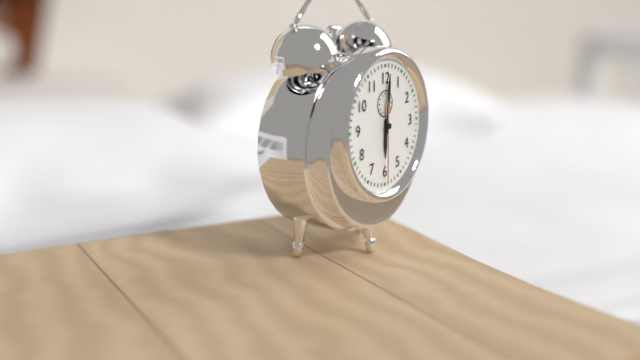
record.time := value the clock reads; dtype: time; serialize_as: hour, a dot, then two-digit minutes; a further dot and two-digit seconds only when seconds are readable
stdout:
6.01.30
